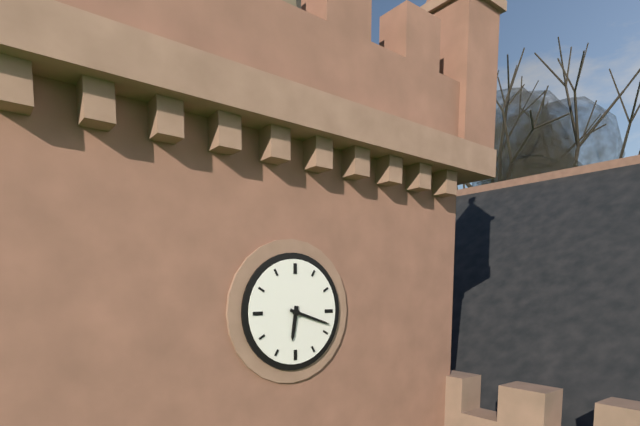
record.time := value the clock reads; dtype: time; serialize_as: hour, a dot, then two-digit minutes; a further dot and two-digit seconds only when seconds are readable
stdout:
6.18
